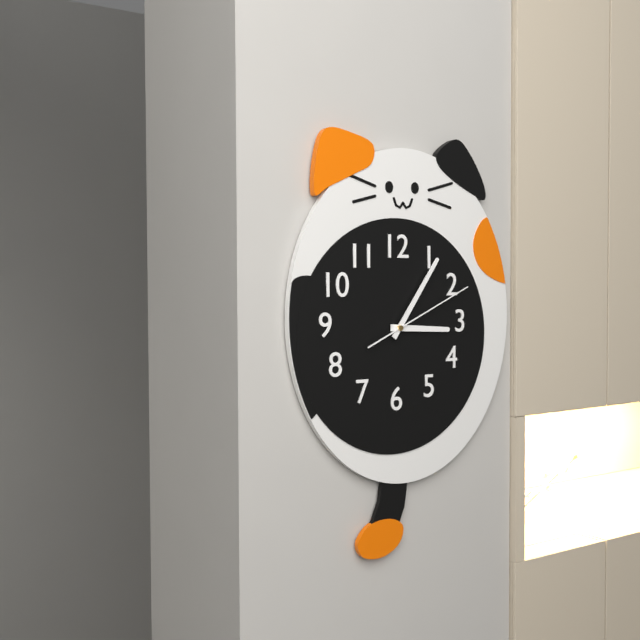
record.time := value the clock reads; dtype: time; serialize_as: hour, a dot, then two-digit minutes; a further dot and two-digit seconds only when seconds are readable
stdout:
3.06.11
